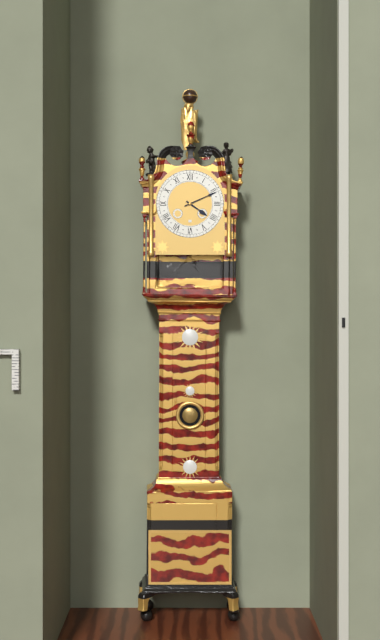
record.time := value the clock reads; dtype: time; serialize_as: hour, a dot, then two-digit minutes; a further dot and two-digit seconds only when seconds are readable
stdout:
4.11
